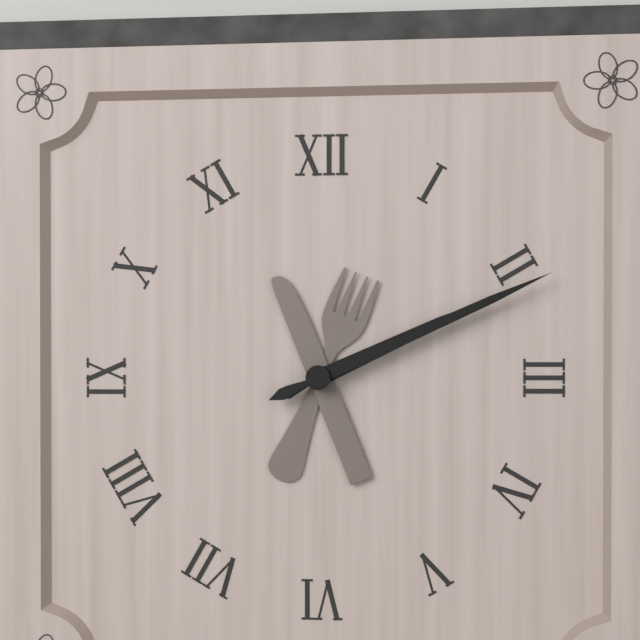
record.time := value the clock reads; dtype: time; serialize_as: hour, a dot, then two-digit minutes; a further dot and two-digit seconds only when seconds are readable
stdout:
2.11
